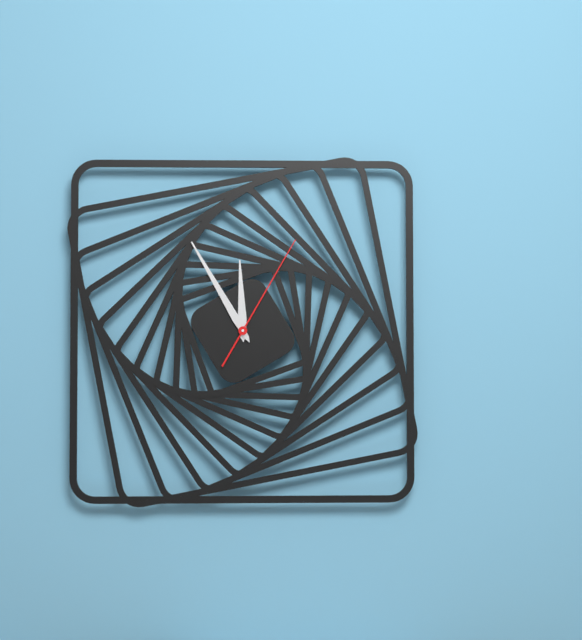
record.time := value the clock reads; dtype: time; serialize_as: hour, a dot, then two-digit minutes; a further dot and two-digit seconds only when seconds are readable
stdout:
11.55.05
